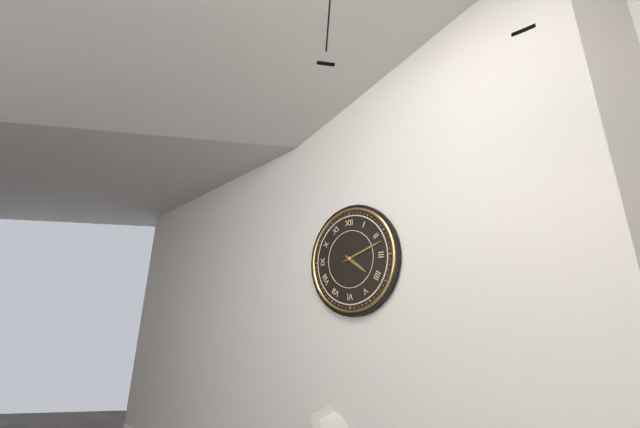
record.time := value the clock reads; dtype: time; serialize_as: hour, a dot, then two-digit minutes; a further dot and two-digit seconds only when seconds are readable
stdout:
4.12
